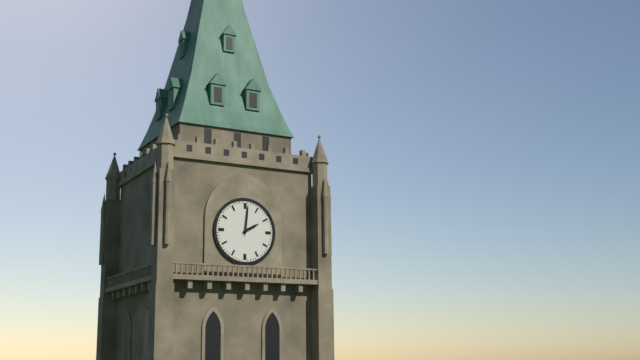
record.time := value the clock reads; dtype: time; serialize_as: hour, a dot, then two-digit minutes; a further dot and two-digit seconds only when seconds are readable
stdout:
2.01
